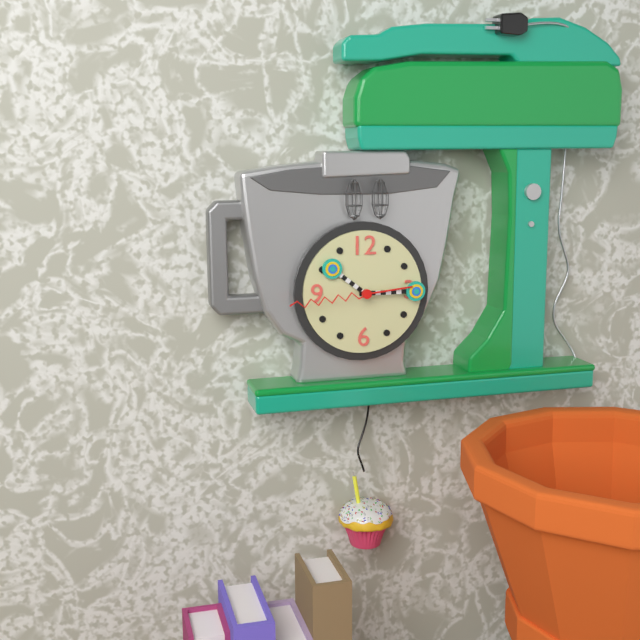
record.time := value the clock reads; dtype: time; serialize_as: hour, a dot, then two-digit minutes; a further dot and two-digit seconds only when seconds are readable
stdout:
10.15.44
